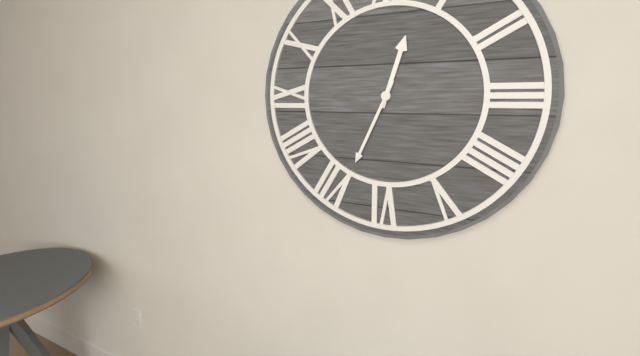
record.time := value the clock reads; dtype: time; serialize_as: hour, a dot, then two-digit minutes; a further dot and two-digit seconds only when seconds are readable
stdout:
12.34
